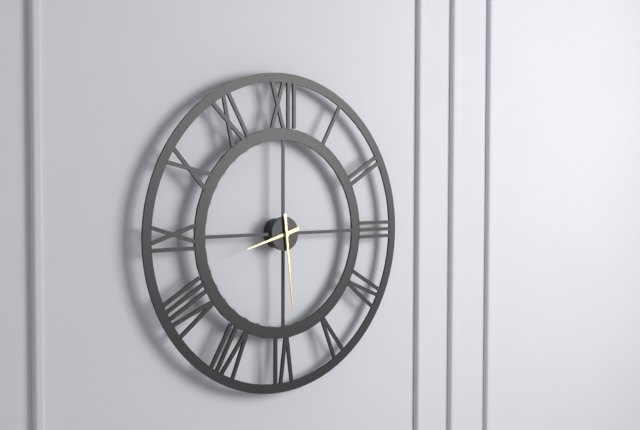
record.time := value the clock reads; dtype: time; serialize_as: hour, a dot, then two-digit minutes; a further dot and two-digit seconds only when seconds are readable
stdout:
8.29
